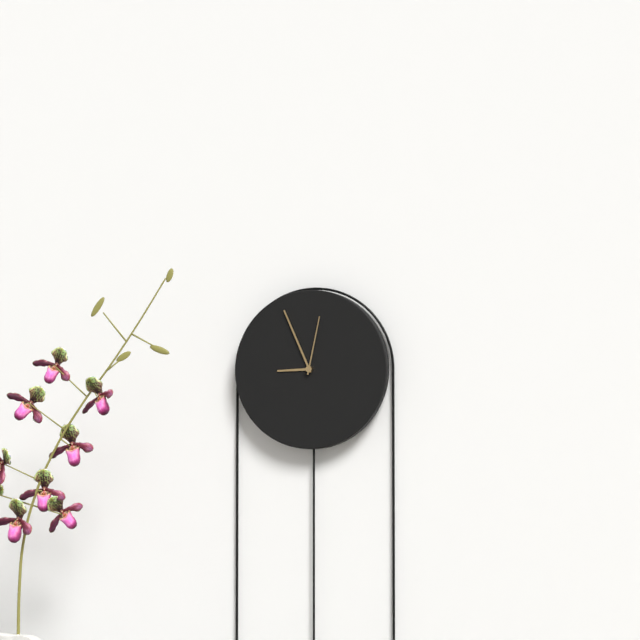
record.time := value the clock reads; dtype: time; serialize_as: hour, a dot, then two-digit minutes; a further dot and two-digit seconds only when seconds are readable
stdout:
8.56.02
